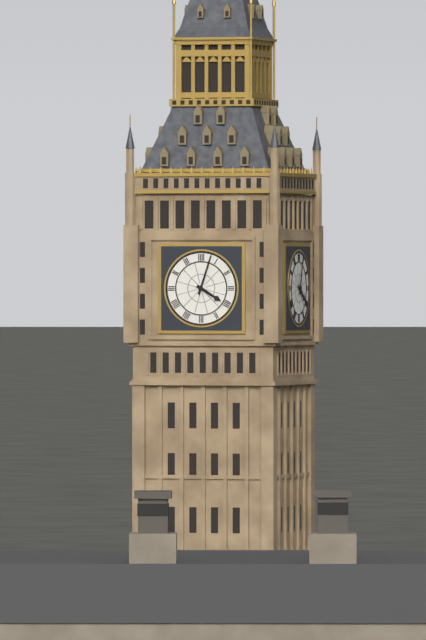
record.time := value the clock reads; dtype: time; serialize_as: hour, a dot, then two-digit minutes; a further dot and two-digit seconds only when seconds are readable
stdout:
4.03
